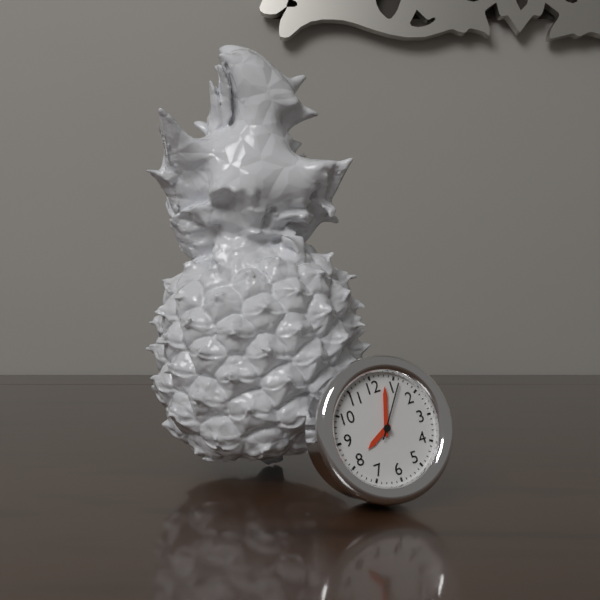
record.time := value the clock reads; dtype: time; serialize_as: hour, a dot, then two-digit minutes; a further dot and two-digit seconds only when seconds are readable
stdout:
8.03.06
